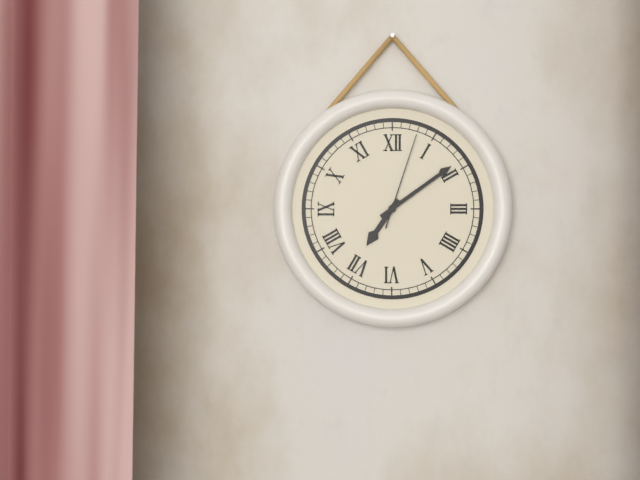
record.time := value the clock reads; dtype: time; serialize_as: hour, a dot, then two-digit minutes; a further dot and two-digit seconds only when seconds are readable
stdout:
7.09.03
